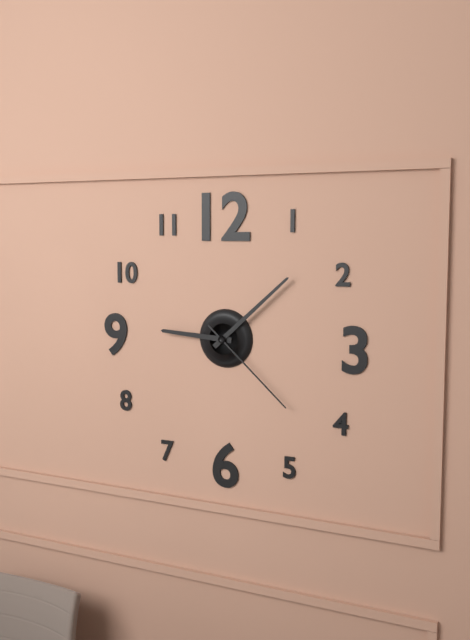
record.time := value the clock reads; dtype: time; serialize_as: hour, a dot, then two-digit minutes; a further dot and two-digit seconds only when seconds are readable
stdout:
9.08.22
